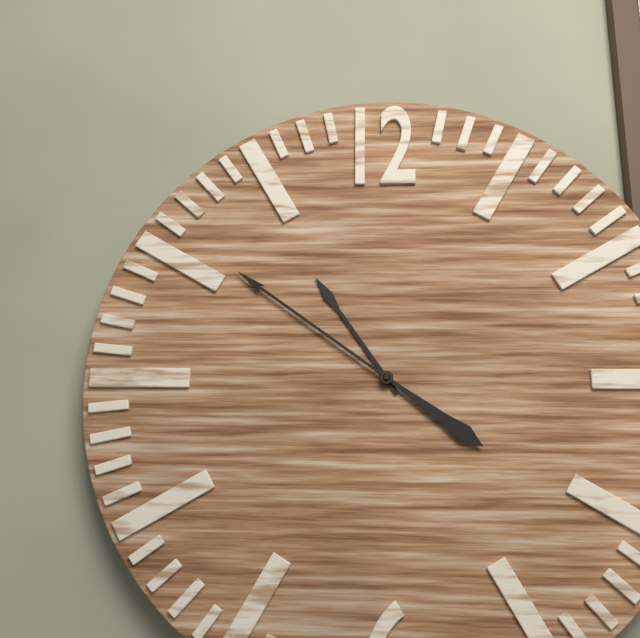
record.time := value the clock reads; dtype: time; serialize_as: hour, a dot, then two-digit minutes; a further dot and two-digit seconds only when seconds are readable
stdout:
10.51
